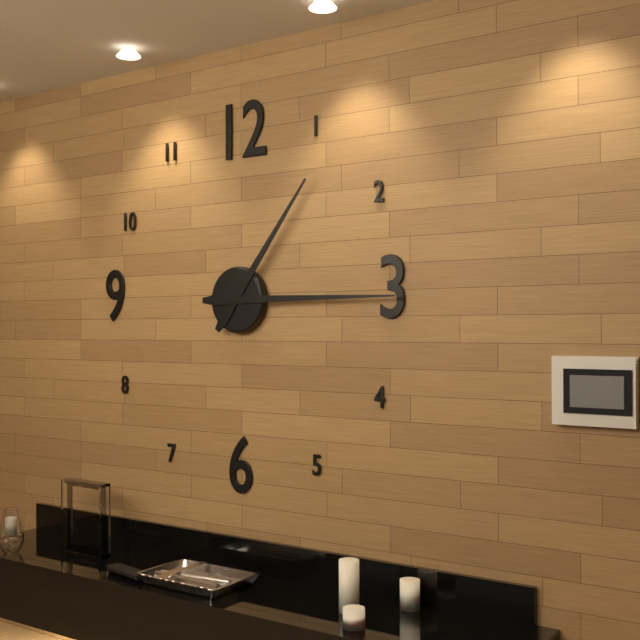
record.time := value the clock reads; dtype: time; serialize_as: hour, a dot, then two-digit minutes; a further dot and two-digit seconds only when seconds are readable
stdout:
1.15
